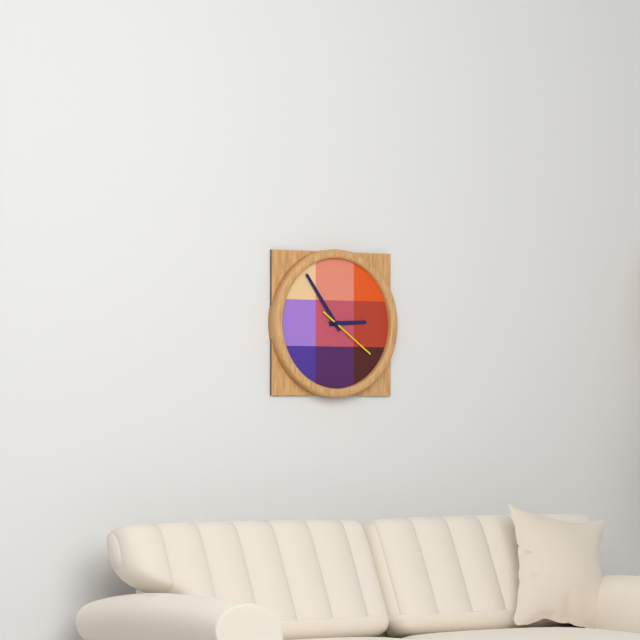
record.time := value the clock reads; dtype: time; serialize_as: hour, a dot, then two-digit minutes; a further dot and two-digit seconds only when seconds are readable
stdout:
2.54.21
